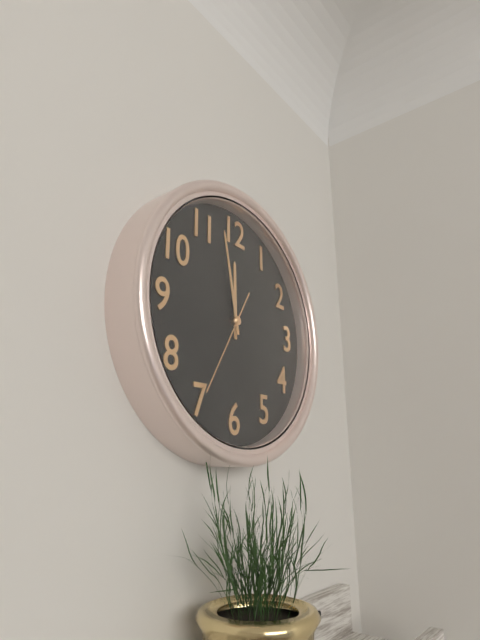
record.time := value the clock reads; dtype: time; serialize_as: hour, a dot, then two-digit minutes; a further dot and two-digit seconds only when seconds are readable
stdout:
11.58.35
